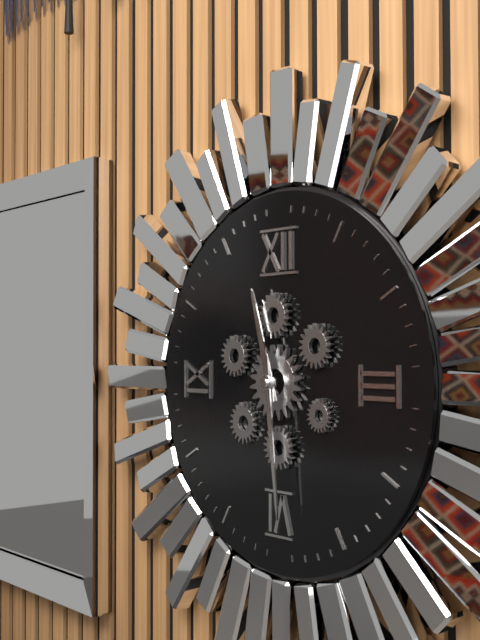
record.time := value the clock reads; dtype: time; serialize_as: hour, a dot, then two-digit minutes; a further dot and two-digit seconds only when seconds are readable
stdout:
11.29
